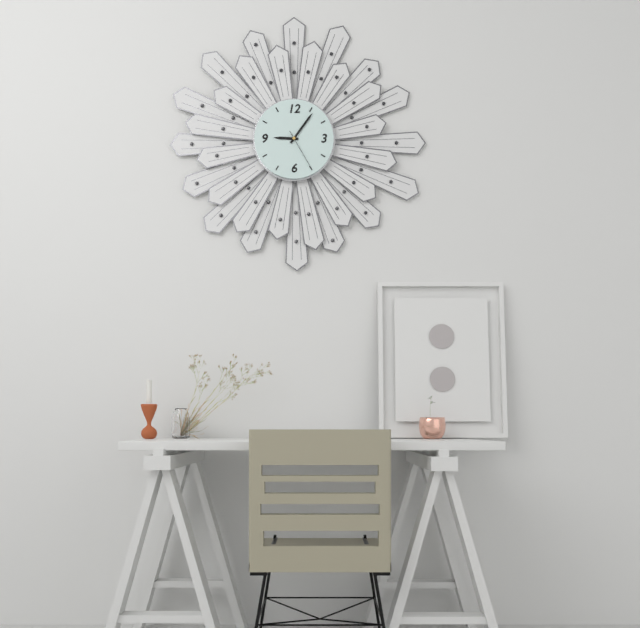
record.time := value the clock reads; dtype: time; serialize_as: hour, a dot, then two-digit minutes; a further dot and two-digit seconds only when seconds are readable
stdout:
9.06
